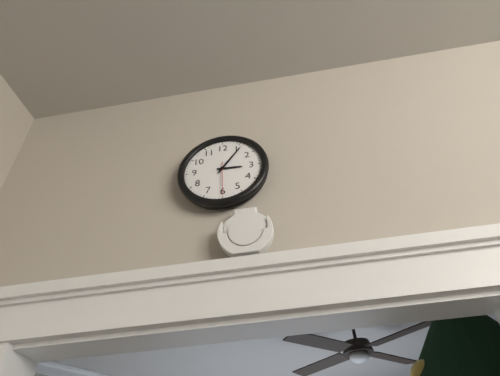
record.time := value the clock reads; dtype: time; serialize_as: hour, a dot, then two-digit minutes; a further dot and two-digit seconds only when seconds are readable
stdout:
3.06
